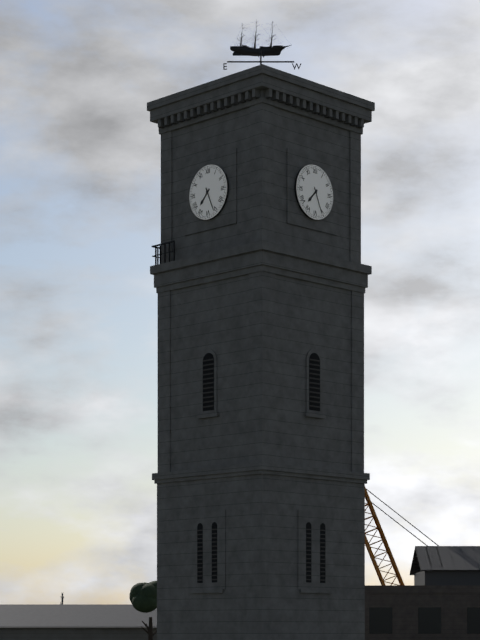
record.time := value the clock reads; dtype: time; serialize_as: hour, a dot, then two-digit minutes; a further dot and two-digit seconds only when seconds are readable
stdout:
7.26
